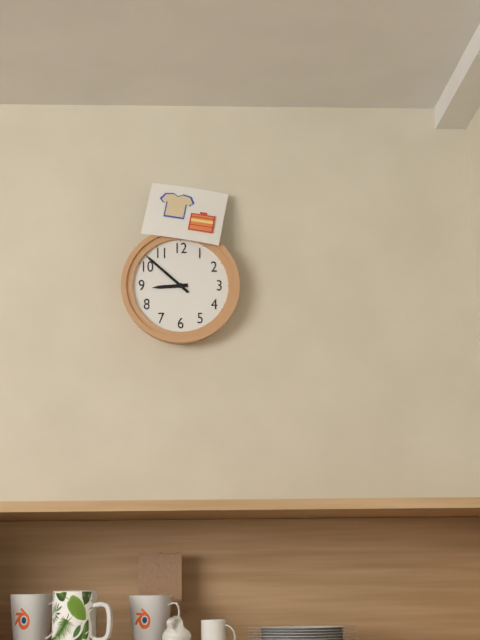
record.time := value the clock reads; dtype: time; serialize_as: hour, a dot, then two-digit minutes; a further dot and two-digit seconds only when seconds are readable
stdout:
8.52
